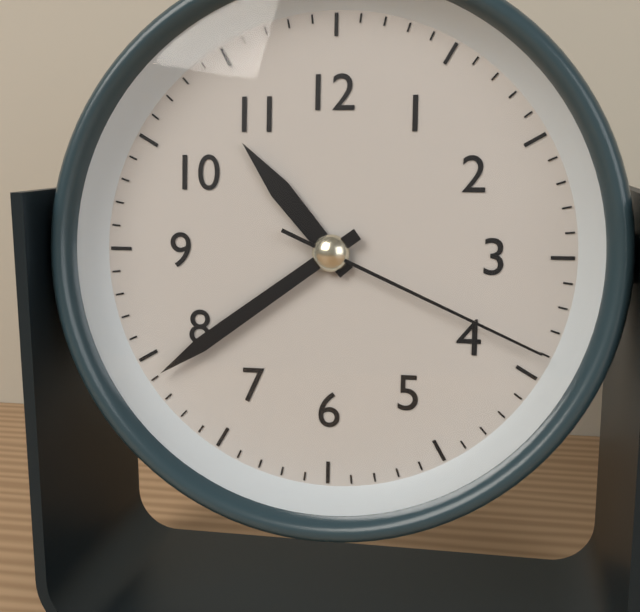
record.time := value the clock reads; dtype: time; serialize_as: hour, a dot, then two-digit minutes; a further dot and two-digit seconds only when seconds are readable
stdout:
10.39.19
